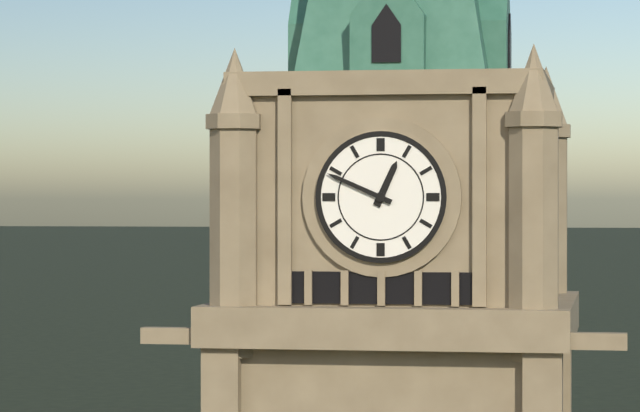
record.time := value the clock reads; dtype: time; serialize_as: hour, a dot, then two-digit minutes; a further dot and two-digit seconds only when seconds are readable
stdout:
12.49
